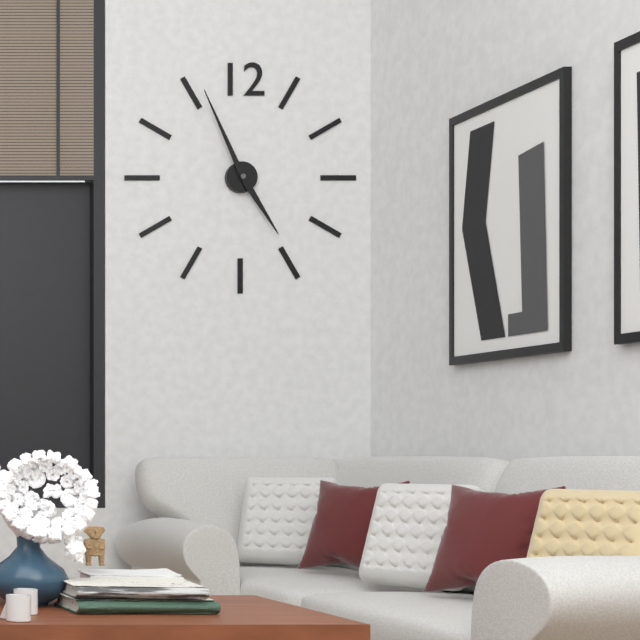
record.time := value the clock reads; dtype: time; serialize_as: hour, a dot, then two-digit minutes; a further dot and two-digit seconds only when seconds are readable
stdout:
4.56
